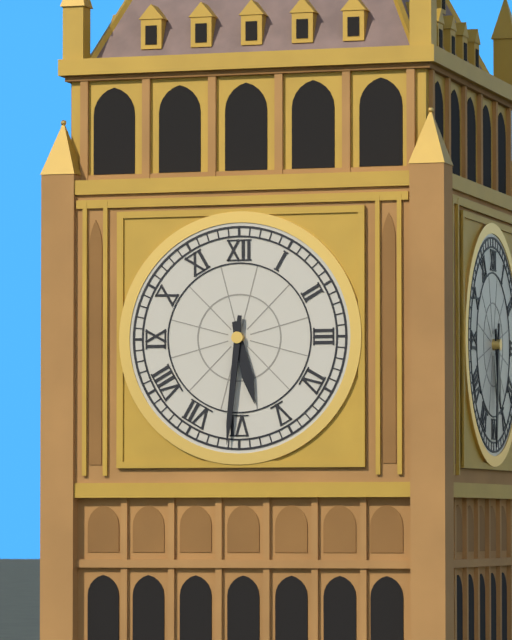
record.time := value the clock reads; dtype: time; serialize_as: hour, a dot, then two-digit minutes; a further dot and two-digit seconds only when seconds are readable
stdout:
5.31
